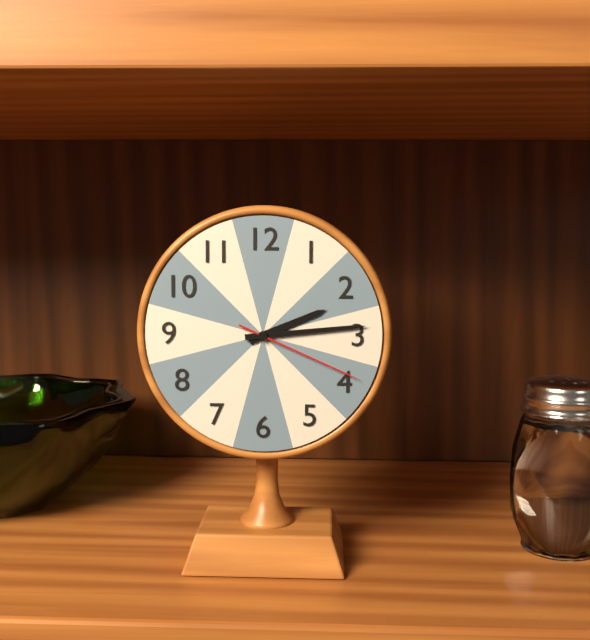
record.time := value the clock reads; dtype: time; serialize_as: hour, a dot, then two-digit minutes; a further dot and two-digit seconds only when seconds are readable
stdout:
2.14.19
